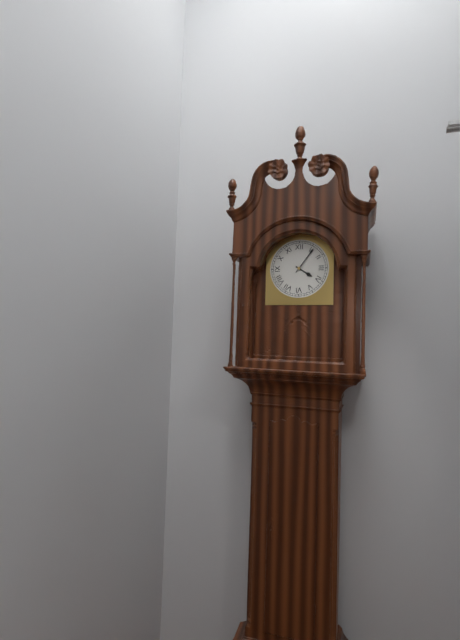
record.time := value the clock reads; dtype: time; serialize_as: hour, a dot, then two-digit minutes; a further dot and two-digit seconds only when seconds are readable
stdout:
4.06
